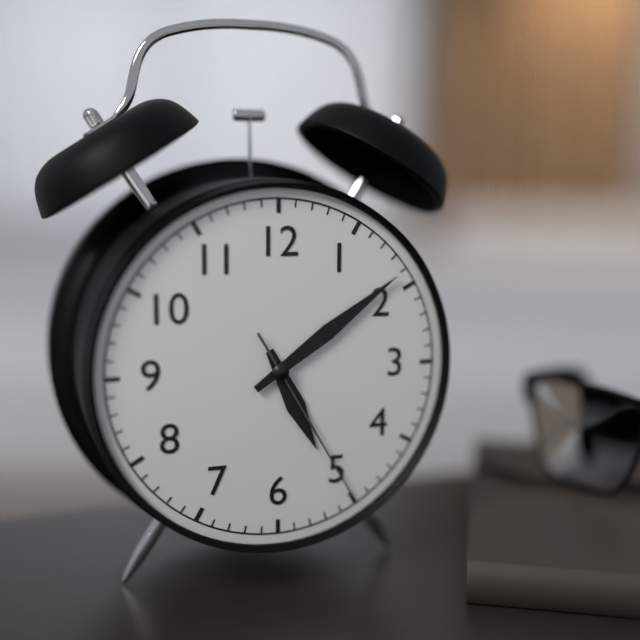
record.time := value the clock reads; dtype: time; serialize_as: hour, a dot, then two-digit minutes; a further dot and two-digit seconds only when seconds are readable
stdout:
5.09.25
